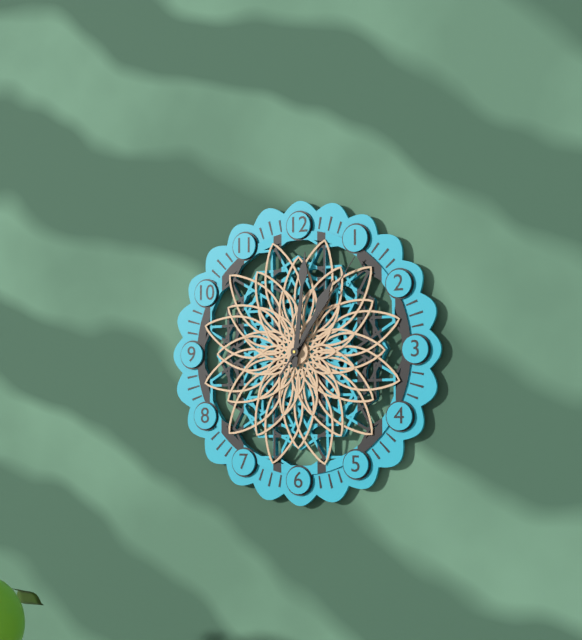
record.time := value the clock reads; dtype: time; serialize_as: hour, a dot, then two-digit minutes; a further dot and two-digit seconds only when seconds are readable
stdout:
1.01.06
